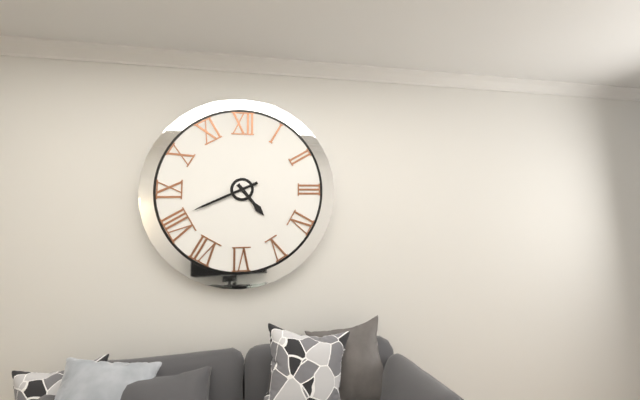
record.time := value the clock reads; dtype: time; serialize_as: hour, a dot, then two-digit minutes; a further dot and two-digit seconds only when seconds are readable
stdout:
4.41
